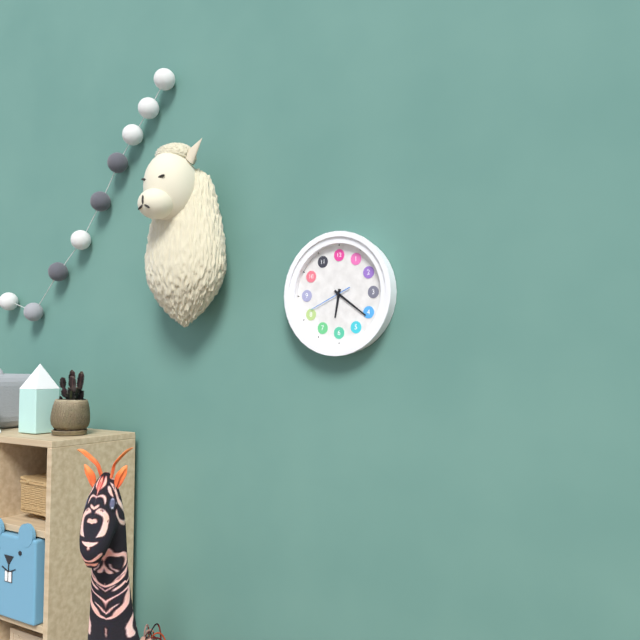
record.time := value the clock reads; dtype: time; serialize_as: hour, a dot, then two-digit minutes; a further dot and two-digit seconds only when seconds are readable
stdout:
6.21
